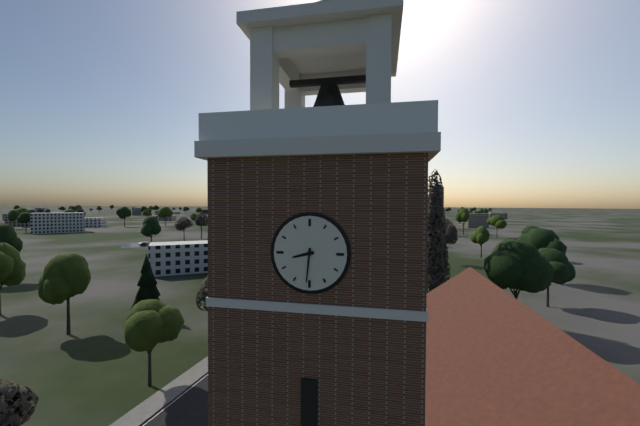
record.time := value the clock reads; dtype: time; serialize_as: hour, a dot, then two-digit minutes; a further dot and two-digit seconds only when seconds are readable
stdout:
8.31
